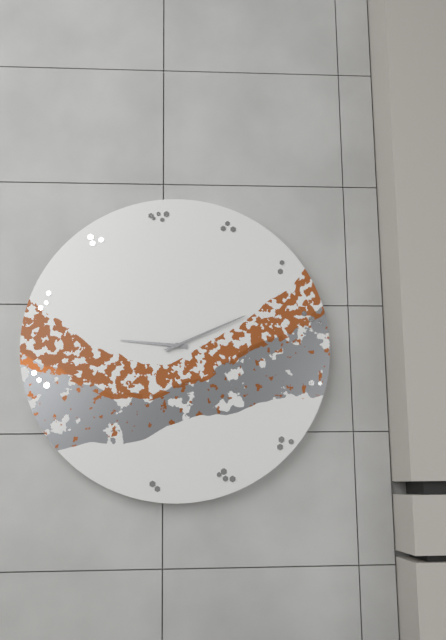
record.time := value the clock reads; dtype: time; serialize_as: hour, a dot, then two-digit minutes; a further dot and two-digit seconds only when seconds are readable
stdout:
9.11
